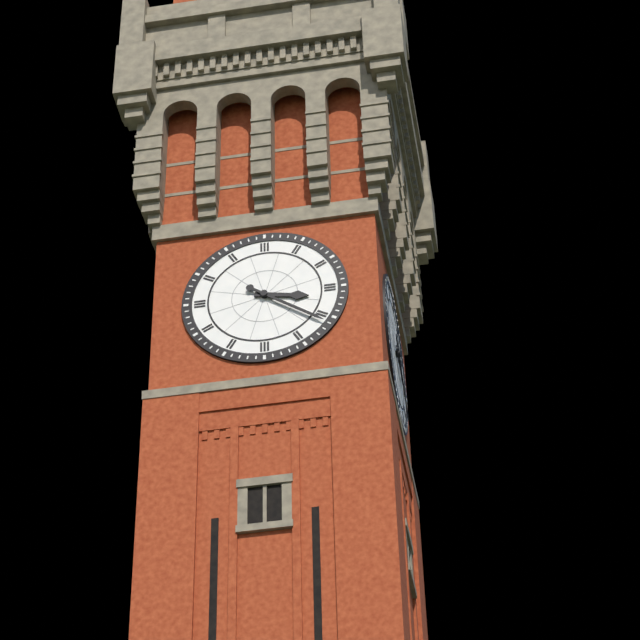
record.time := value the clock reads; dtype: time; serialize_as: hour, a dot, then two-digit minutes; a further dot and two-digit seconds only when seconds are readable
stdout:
3.21
